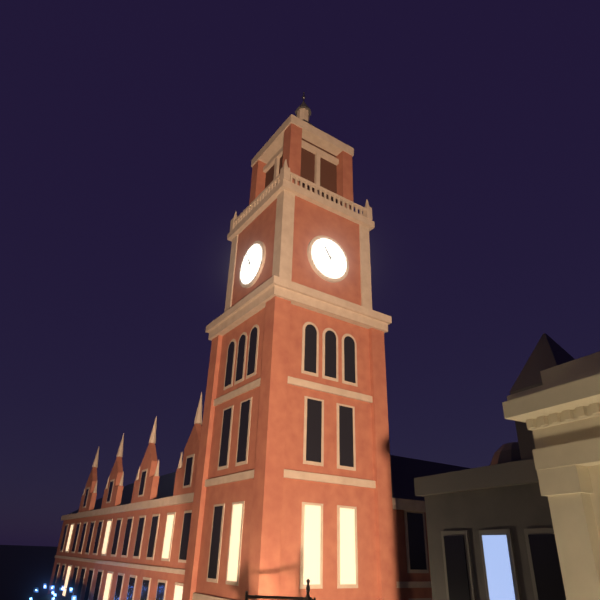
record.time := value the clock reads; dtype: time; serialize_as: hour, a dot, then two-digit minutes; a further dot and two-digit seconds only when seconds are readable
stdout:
10.55
